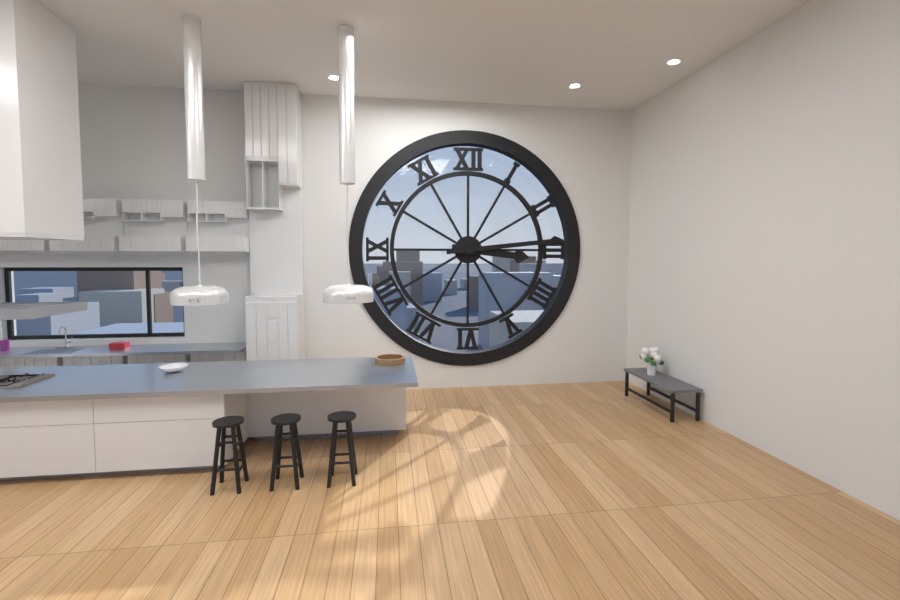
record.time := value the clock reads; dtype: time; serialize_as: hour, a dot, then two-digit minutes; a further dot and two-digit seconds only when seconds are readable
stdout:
3.14
